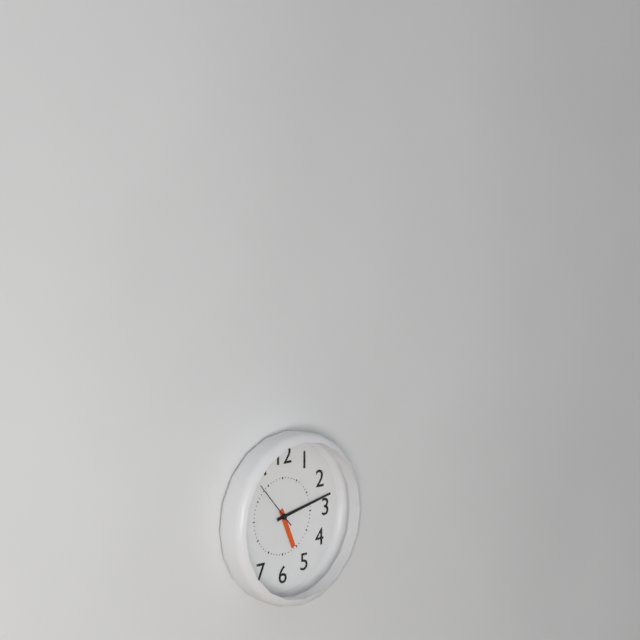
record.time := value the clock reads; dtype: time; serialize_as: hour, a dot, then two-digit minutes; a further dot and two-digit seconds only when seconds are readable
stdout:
5.13
